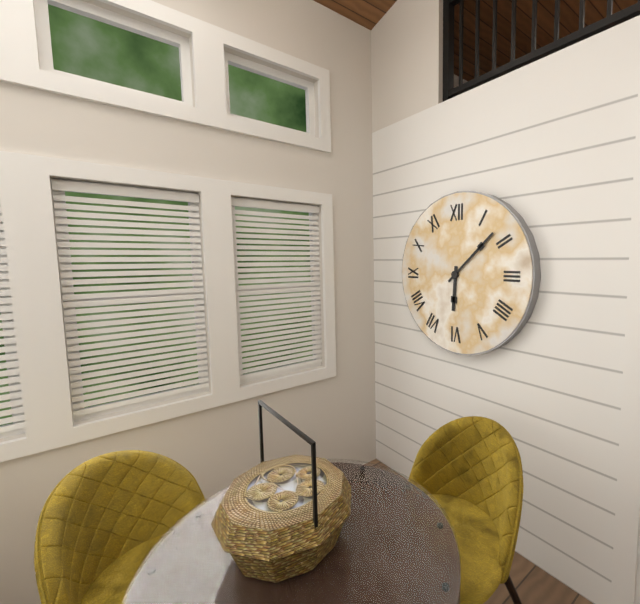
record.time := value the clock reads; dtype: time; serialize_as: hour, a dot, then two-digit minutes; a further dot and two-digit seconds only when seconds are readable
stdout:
6.08
